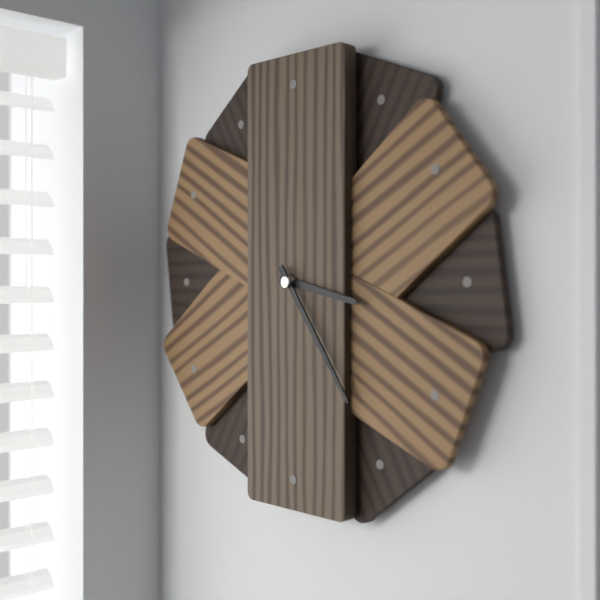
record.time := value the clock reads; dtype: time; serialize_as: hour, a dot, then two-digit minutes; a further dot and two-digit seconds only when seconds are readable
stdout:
3.24
